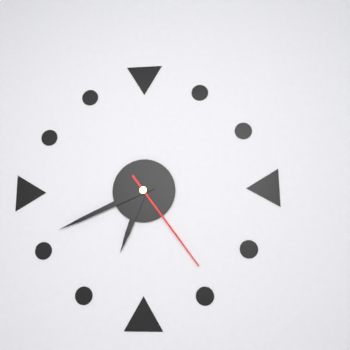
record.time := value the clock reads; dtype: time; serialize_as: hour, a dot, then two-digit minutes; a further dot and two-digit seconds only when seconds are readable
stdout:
6.41.24
